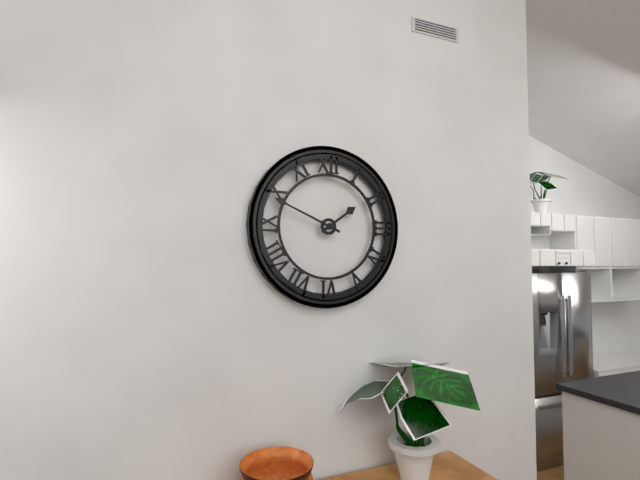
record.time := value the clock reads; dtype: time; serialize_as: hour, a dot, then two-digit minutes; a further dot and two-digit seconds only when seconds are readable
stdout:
1.49
